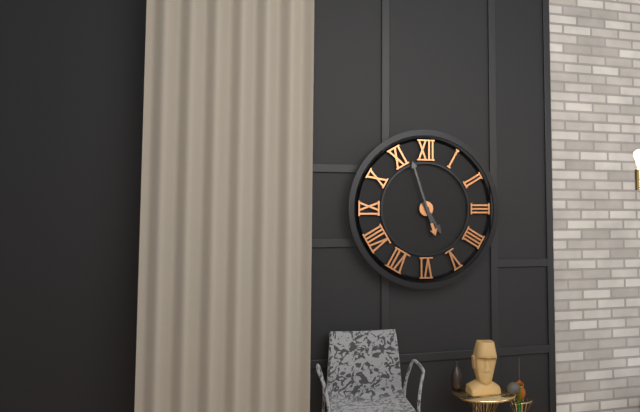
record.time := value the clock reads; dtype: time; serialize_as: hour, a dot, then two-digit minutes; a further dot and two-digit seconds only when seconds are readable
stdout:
4.57
